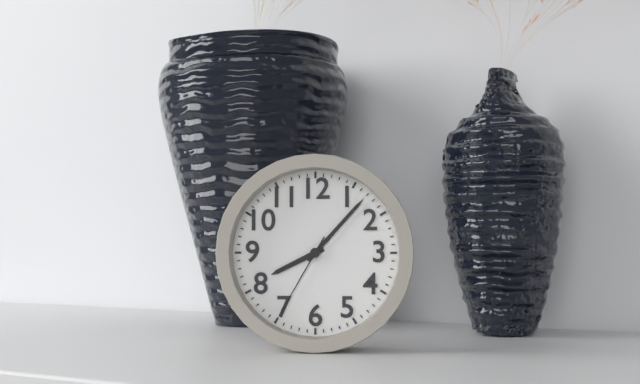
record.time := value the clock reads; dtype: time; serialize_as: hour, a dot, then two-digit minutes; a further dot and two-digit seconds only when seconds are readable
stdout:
8.07.35
